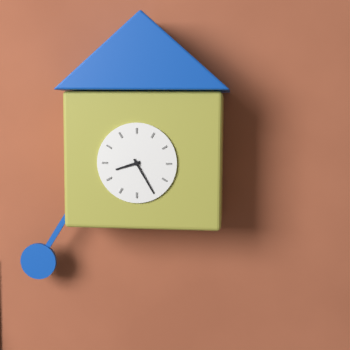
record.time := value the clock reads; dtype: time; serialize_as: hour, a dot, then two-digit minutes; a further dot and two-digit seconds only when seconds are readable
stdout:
8.25
